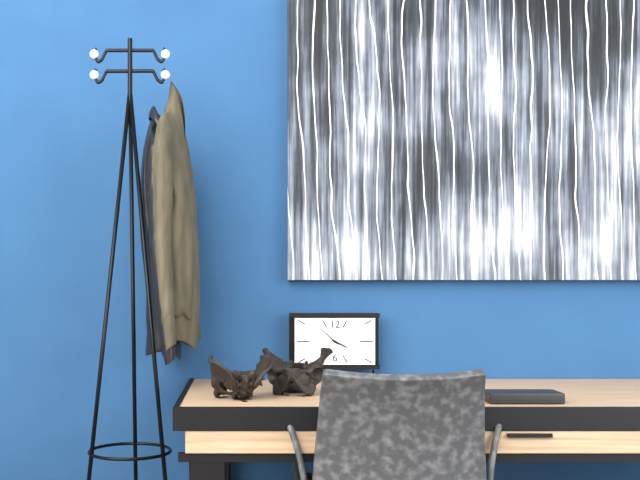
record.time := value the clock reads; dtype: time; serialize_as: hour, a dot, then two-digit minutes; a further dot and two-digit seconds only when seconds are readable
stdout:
3.52
